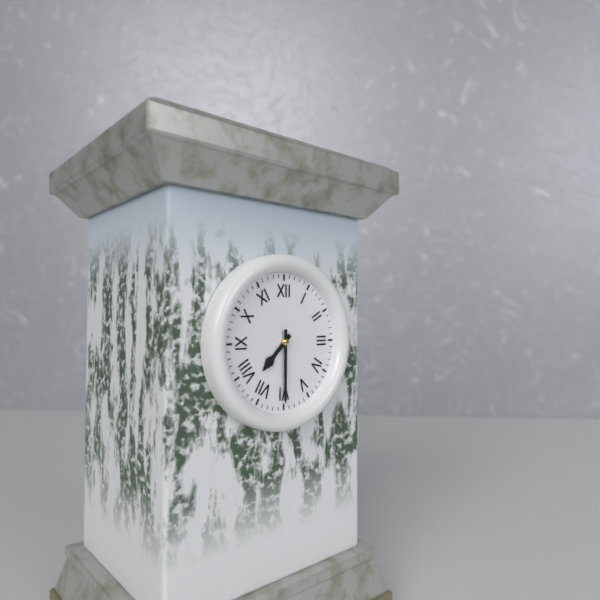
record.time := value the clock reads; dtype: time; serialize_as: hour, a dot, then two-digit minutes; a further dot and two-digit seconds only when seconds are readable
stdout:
7.30
